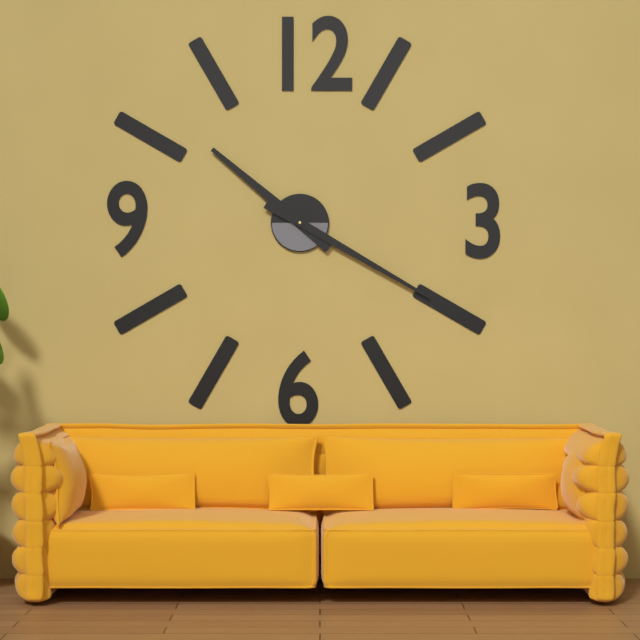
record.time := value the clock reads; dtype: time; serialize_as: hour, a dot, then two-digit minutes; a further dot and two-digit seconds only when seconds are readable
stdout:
10.20
